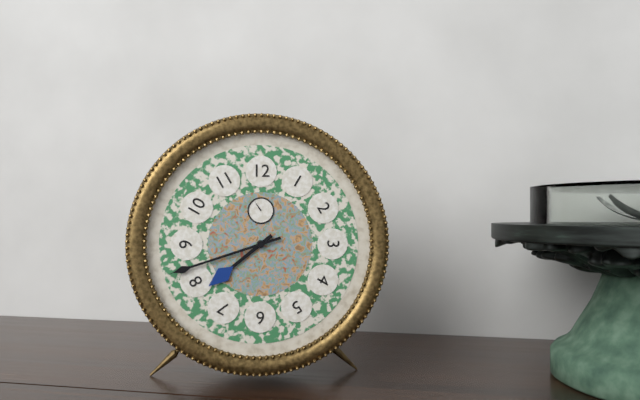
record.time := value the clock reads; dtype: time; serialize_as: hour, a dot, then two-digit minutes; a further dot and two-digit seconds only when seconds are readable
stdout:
7.42
